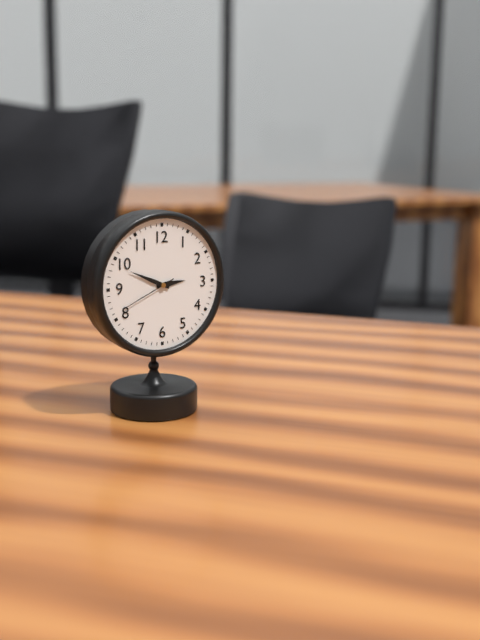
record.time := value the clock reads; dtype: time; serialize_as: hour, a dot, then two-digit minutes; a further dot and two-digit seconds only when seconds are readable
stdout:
2.49.41
